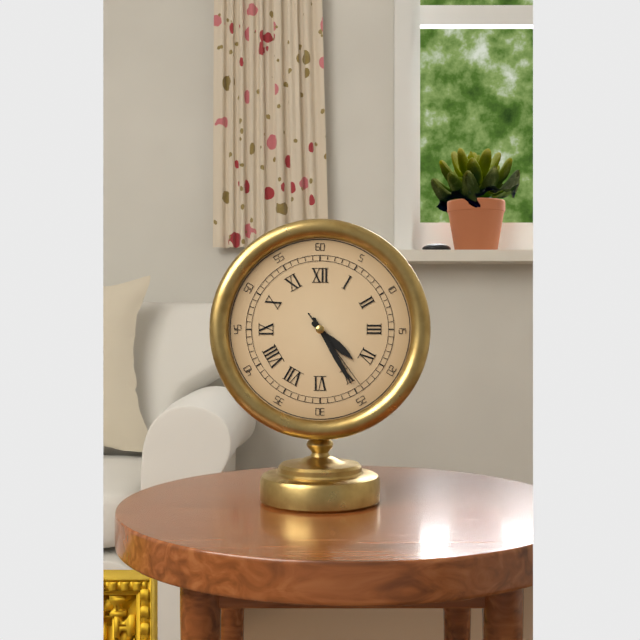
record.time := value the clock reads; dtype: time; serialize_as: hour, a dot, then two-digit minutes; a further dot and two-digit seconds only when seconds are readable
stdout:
4.25.24
